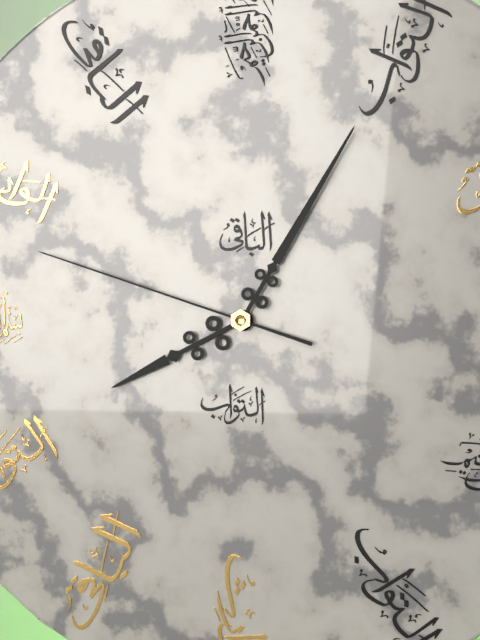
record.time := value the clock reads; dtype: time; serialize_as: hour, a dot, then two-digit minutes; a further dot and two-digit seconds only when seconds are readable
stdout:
8.05.48
